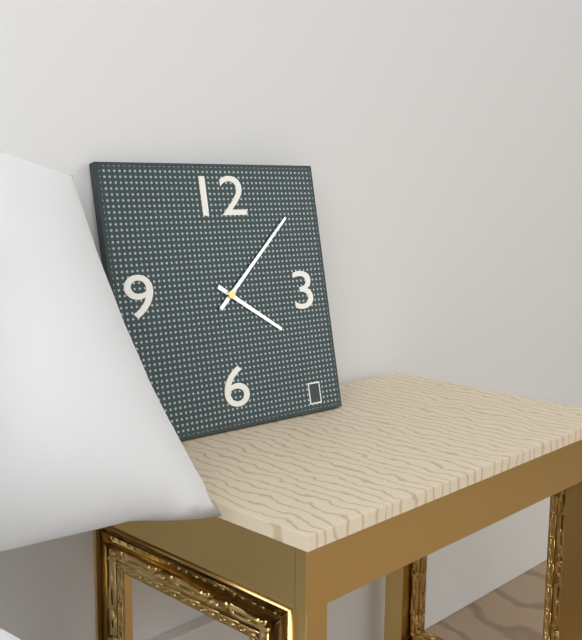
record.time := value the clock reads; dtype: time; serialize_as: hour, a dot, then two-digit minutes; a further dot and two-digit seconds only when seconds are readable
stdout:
4.08
